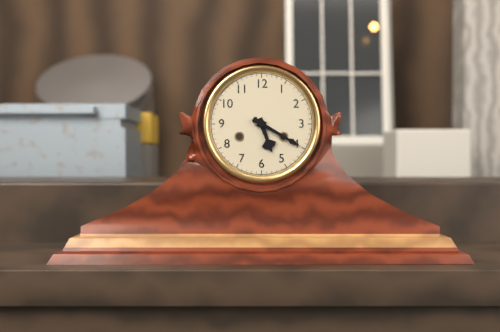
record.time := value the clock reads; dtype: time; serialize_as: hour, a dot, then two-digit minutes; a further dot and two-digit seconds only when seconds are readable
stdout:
5.20
